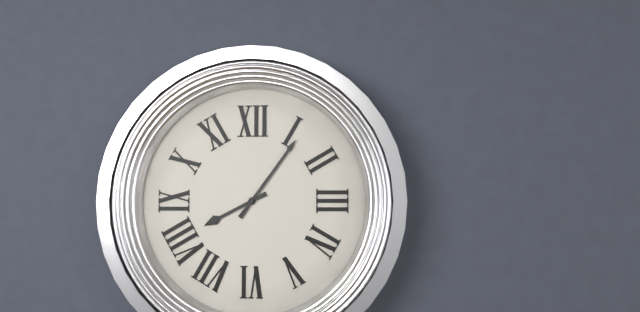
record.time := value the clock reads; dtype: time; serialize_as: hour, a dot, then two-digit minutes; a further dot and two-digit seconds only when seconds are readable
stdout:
8.06
